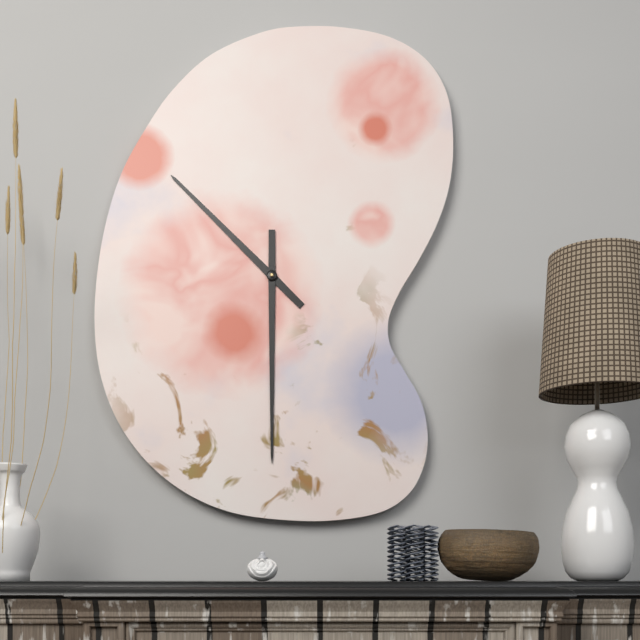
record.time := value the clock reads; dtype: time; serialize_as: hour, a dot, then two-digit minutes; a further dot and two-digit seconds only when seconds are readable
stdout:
10.30
